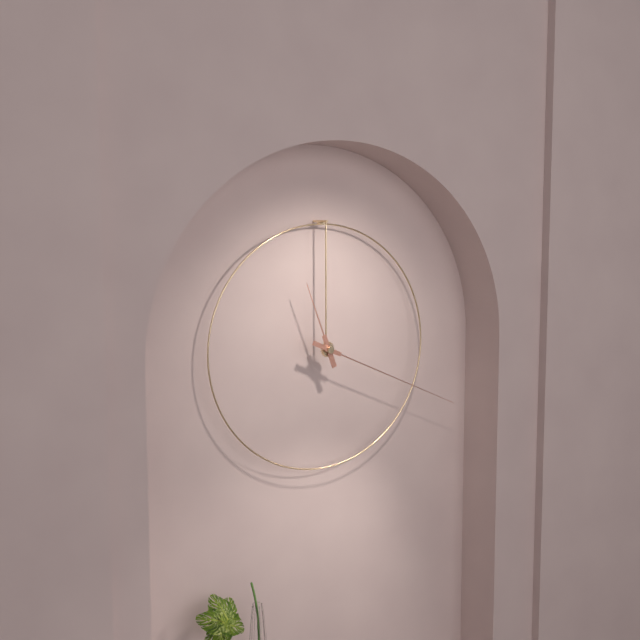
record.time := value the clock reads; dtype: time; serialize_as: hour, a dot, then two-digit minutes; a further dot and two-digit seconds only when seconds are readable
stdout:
11.19
